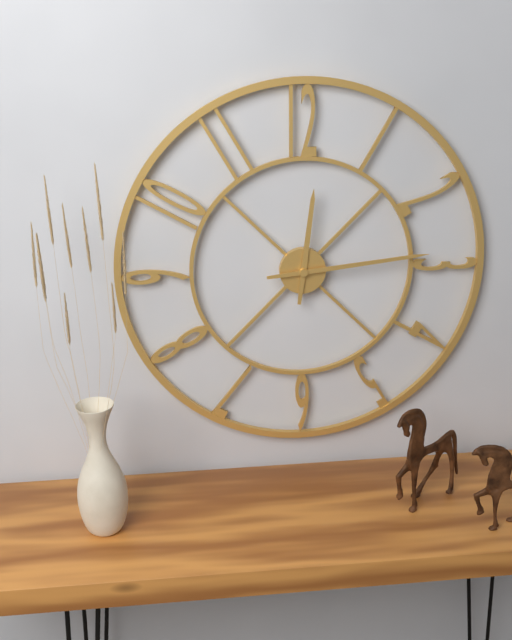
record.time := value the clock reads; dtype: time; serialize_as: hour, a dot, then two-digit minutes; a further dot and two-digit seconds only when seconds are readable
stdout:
12.14
